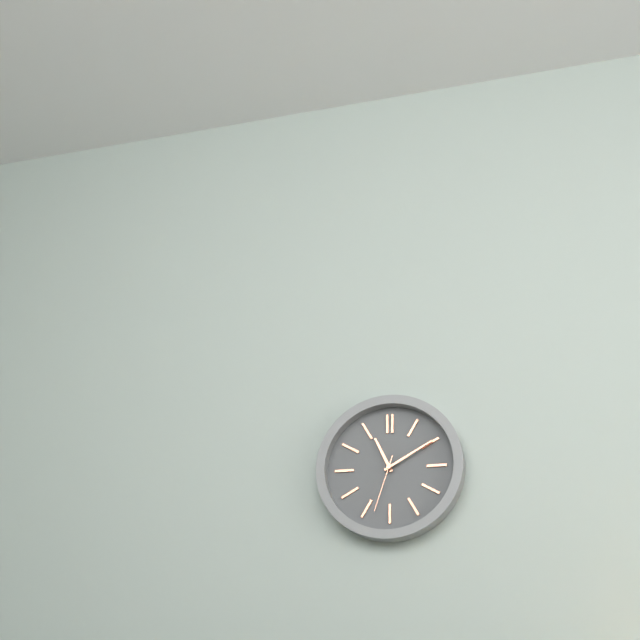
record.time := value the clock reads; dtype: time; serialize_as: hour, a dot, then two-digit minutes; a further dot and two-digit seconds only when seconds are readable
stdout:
11.10.33
